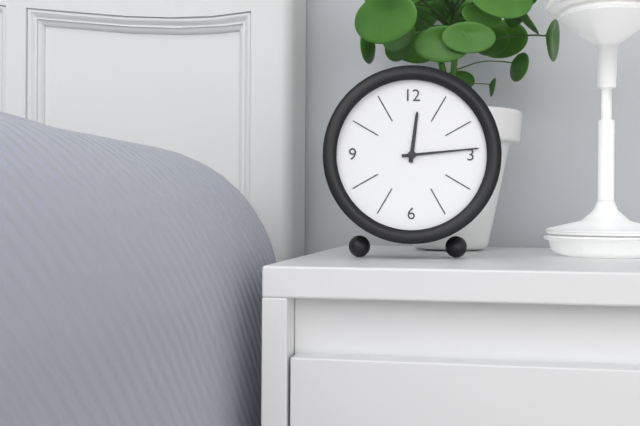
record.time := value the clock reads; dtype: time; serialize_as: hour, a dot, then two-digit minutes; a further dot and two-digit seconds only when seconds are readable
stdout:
12.14
